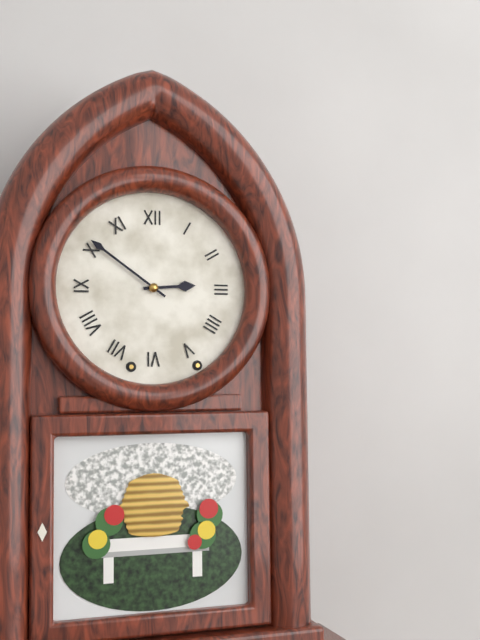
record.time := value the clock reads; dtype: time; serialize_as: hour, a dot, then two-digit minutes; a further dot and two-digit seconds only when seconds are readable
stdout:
2.51
